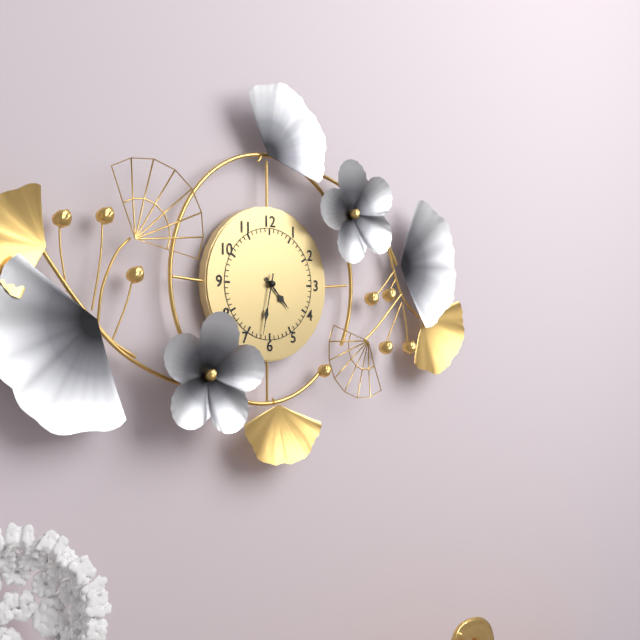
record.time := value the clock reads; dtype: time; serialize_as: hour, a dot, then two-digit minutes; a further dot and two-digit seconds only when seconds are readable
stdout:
4.32
